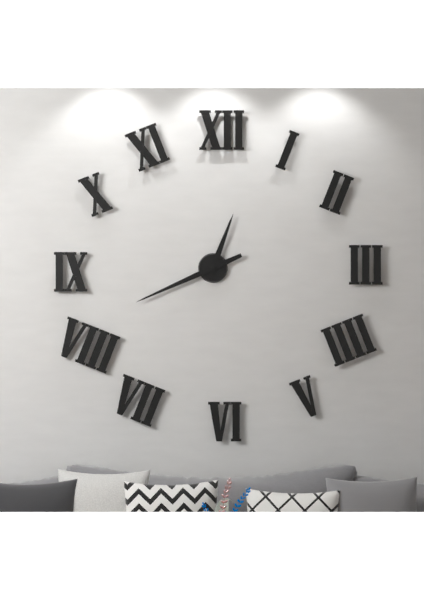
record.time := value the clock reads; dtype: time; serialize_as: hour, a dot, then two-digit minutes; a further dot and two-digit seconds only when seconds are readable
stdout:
12.41
